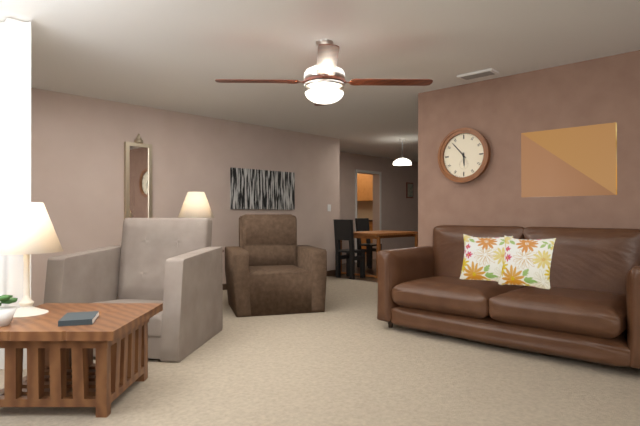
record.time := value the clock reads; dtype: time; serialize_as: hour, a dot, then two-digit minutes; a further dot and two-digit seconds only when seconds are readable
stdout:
5.53
